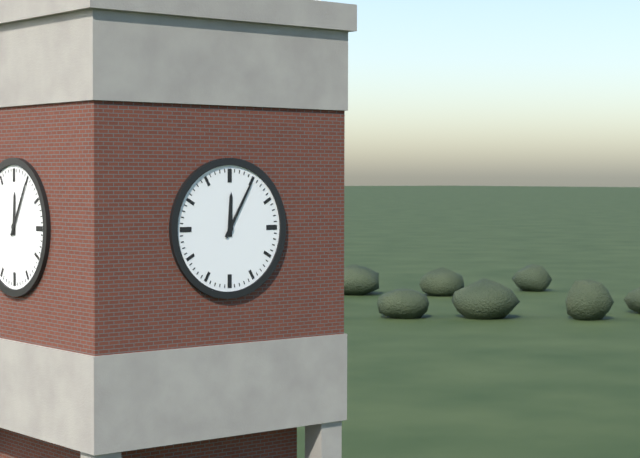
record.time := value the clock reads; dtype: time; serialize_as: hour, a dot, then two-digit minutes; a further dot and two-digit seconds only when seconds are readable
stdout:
12.05
